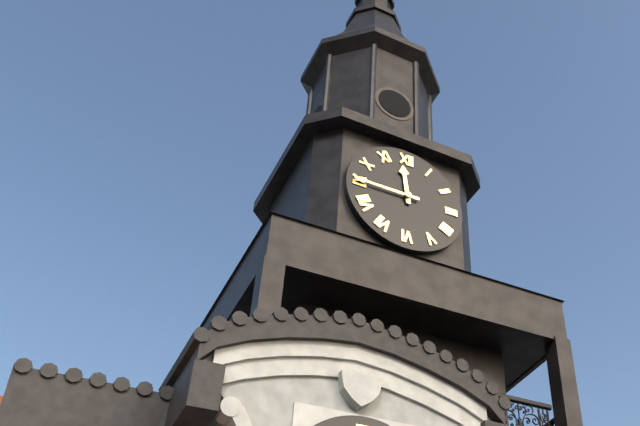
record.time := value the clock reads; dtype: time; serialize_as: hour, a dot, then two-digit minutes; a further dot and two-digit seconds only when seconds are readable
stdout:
11.45
